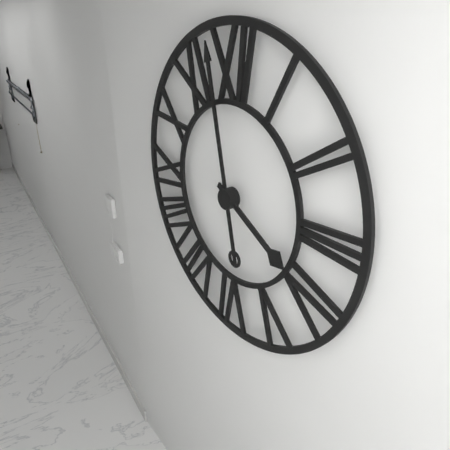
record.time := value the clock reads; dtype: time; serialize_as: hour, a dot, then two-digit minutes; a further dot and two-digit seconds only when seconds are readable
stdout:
3.58
